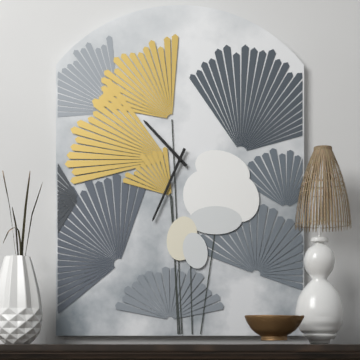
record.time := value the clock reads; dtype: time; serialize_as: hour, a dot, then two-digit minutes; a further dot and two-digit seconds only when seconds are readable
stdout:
10.34
